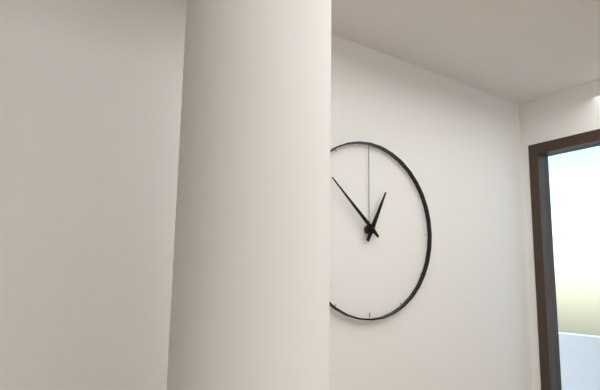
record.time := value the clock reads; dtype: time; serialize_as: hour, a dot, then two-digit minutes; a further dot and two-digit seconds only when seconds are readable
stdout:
12.52
